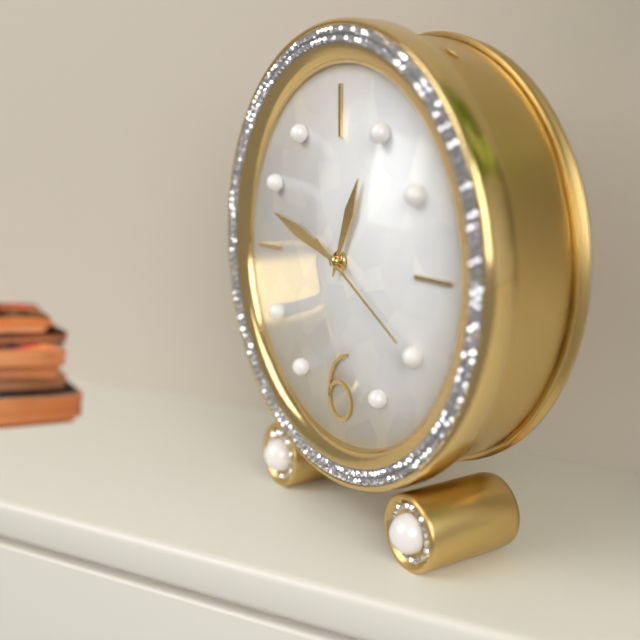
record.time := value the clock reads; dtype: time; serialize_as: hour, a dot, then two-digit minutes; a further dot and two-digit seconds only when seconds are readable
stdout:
12.48.20
